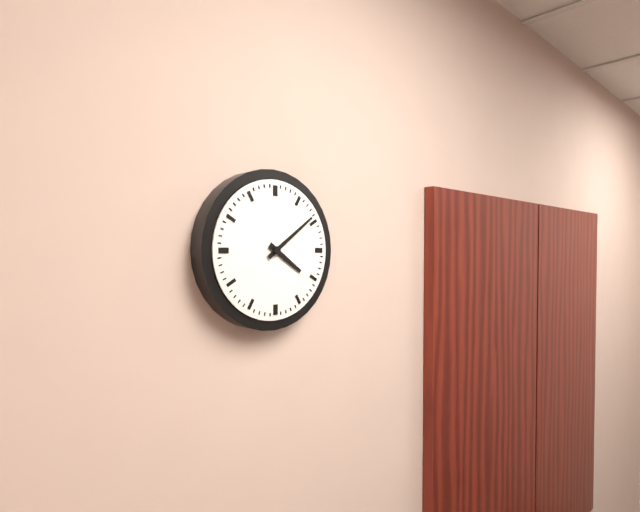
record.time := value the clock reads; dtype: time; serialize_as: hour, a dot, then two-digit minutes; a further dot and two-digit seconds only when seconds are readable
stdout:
4.09
